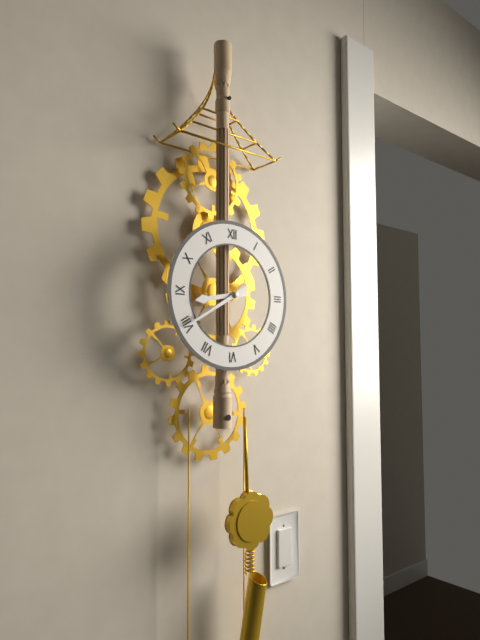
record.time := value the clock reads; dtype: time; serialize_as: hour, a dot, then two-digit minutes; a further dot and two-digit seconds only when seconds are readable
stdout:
8.40
